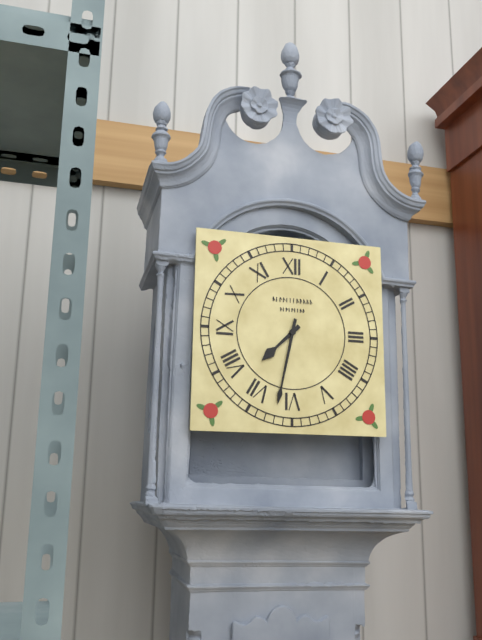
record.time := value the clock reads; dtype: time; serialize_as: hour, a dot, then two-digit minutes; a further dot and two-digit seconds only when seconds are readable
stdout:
7.32
